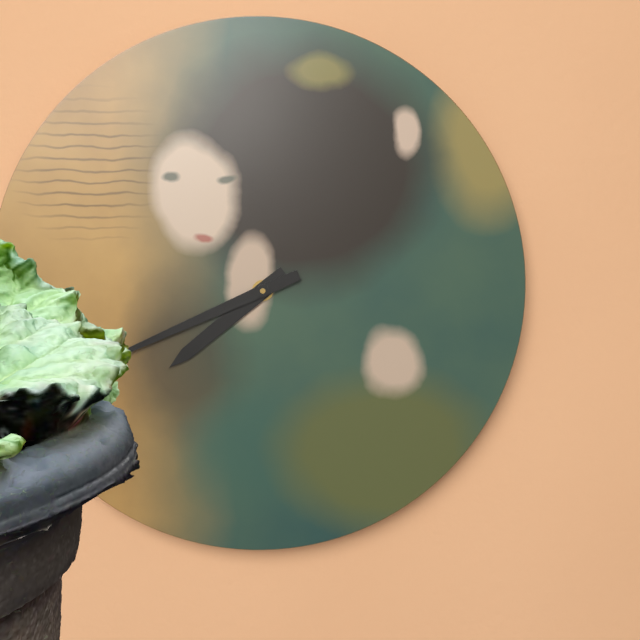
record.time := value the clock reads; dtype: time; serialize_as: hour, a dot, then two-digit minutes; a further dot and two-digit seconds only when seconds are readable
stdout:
7.41
